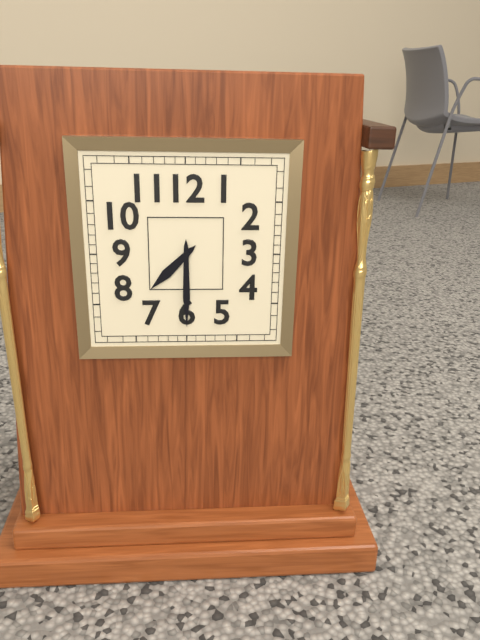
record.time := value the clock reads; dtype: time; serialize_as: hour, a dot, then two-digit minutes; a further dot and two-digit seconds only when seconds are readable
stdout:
7.30
